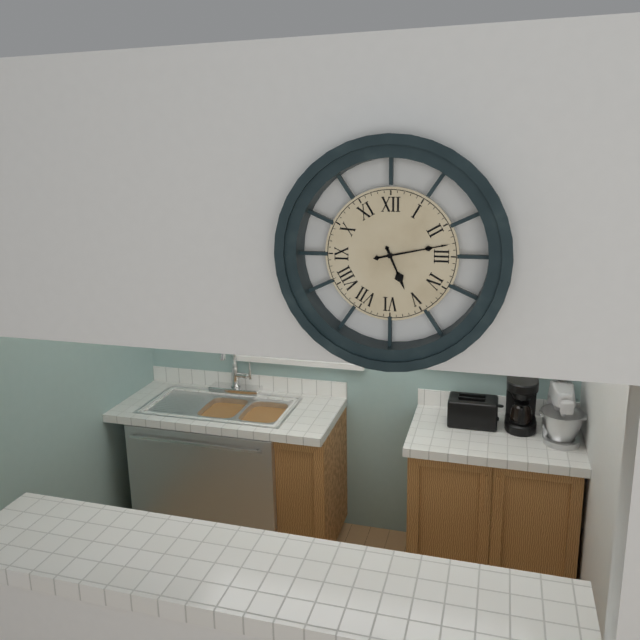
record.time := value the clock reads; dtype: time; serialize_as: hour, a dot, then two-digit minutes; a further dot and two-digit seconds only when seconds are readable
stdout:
5.13
